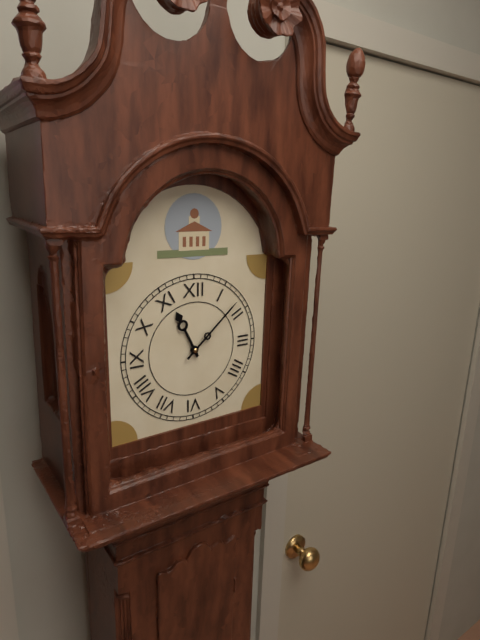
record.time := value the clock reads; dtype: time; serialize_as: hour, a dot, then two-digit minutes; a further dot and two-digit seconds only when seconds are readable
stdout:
11.08
